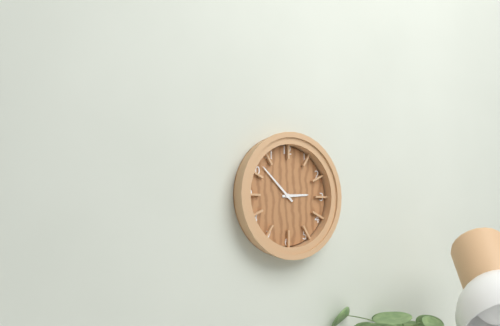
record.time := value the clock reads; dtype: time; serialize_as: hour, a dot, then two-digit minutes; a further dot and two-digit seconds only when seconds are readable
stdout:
2.52
